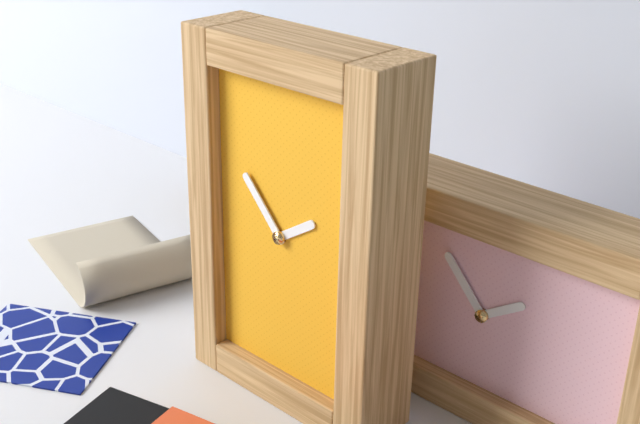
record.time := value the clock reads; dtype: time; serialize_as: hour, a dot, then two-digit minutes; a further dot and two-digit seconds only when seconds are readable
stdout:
1.53
